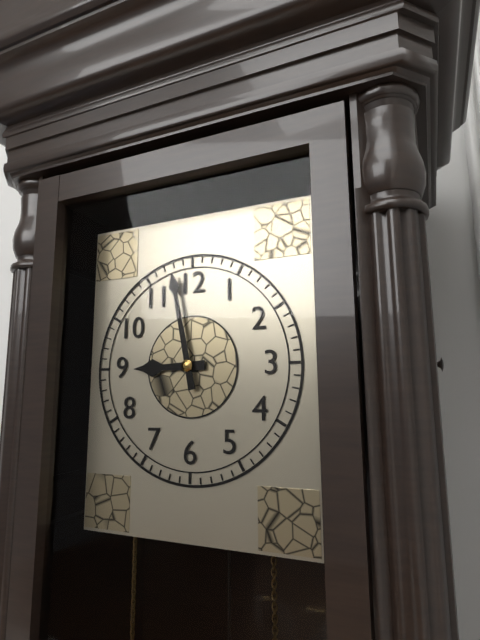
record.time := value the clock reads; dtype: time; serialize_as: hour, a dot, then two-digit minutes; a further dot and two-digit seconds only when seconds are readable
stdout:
8.58
